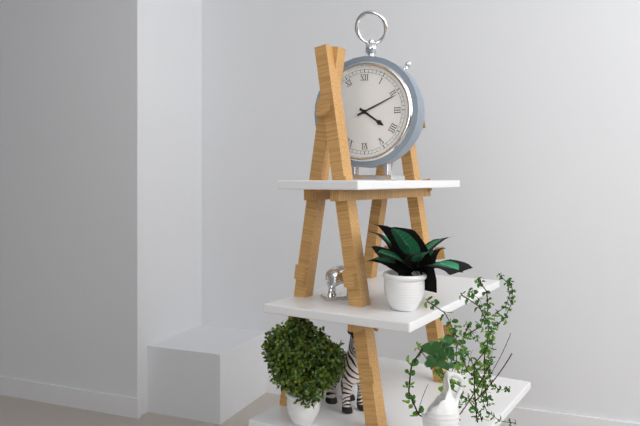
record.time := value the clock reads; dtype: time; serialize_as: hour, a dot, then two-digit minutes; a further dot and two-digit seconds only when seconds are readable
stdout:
4.11
